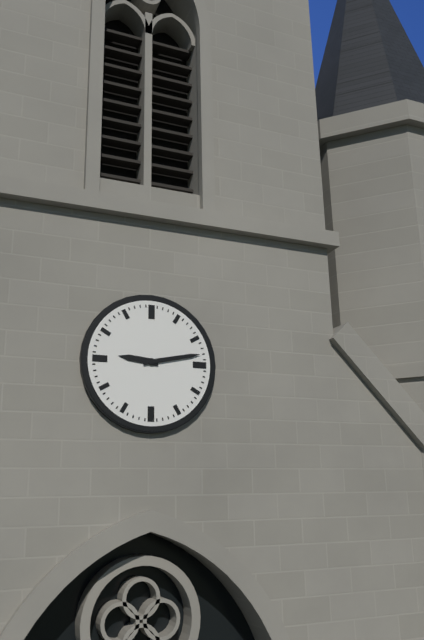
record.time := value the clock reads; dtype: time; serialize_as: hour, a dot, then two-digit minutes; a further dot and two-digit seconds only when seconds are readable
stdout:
9.13
